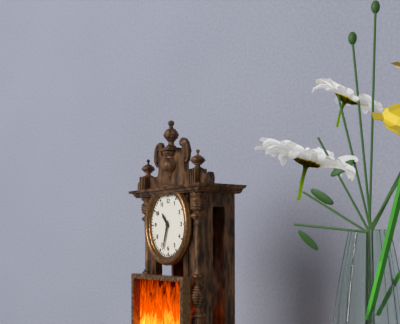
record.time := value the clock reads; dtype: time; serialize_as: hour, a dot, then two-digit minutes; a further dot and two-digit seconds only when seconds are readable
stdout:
10.33
